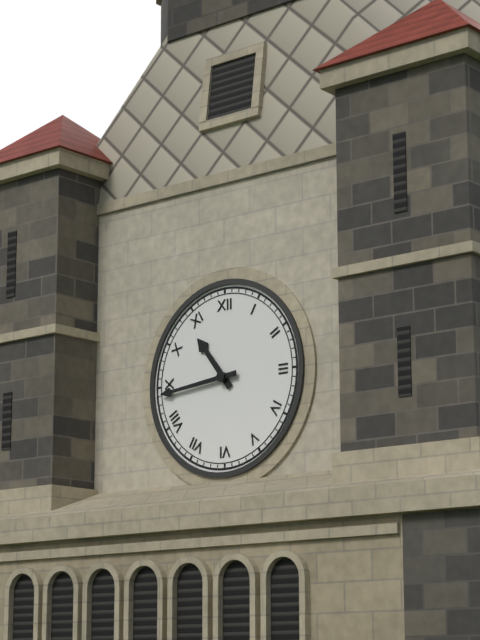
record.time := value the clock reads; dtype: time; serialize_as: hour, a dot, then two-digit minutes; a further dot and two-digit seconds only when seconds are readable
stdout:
10.44
